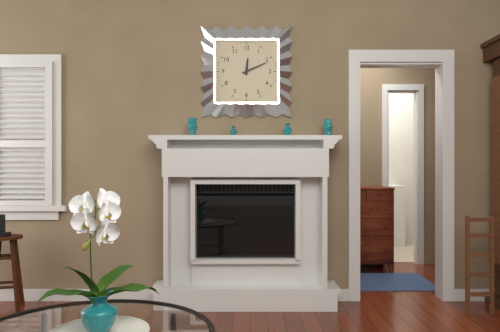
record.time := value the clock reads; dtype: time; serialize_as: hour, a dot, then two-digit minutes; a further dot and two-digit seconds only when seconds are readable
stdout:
12.11
